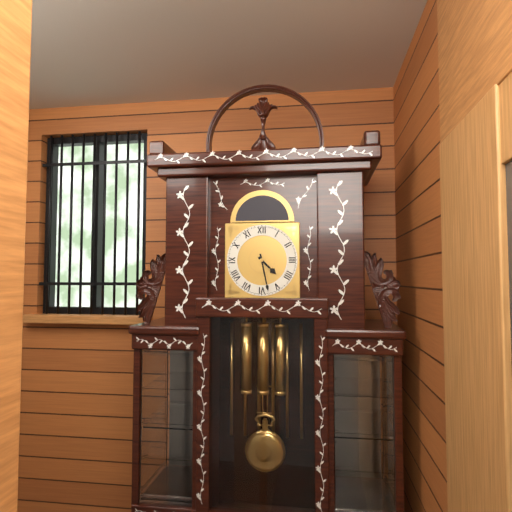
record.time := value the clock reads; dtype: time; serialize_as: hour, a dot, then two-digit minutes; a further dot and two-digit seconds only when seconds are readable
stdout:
4.28
